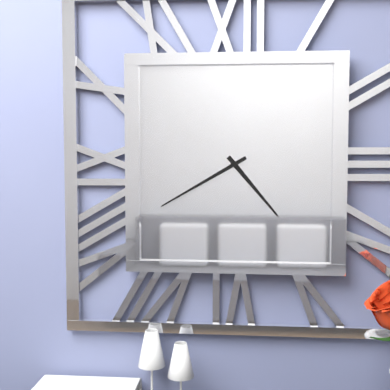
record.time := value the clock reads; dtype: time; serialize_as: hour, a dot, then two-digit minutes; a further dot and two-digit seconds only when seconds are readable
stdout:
4.40
